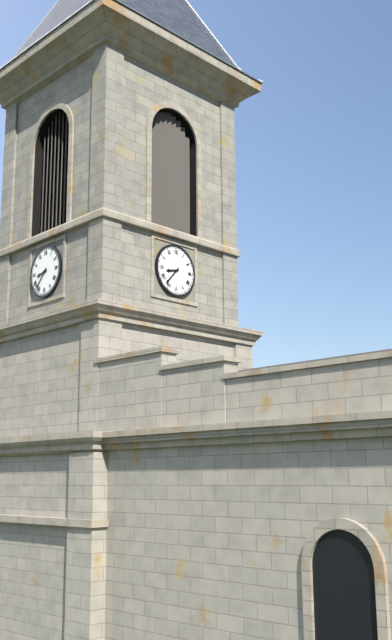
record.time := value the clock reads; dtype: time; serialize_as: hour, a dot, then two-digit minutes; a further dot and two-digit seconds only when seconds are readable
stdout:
8.37
